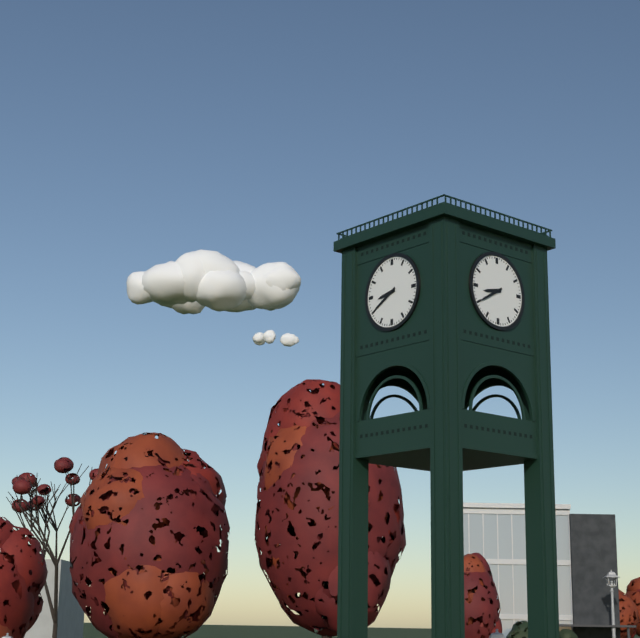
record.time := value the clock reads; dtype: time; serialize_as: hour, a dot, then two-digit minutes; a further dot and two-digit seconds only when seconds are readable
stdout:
8.40
